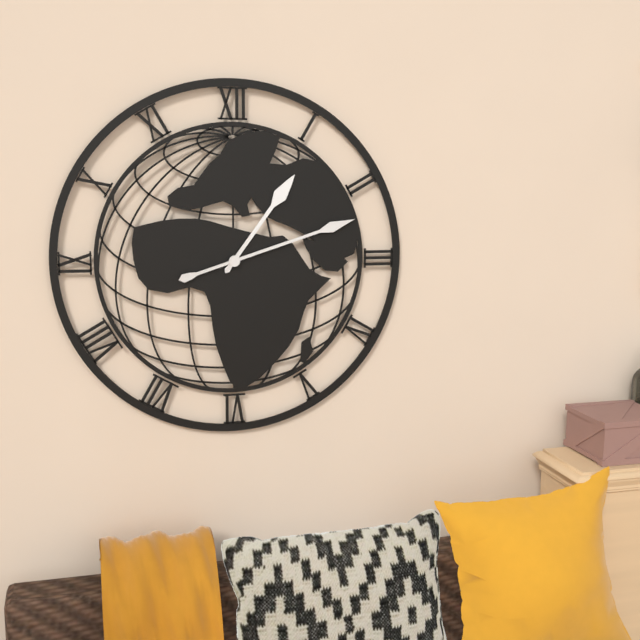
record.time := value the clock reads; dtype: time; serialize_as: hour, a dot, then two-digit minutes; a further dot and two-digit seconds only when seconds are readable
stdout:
1.12
